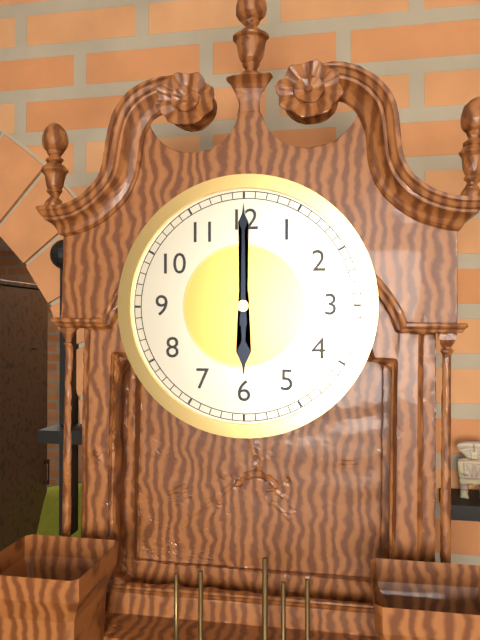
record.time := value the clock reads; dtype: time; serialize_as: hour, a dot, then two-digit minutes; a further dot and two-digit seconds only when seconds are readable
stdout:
6.00
